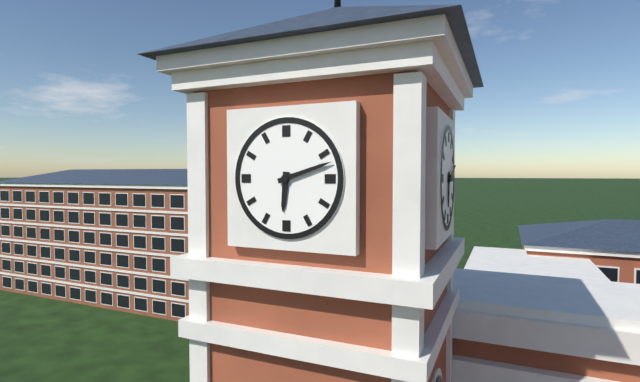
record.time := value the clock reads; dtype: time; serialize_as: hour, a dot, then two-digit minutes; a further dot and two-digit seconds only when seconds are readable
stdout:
6.12
